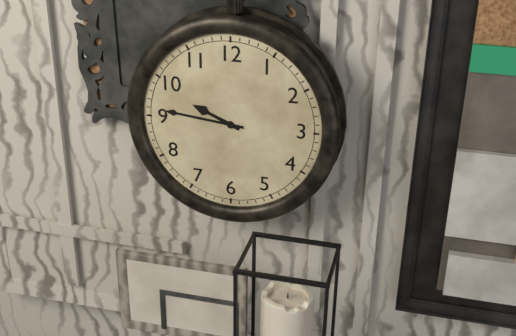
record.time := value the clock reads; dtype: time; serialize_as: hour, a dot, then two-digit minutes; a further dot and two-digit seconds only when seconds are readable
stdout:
9.46
